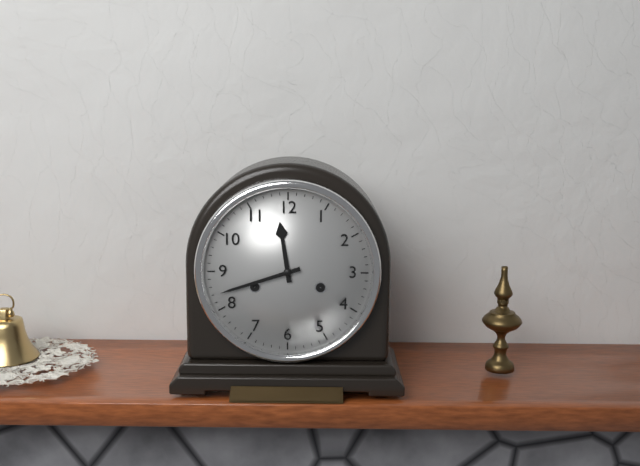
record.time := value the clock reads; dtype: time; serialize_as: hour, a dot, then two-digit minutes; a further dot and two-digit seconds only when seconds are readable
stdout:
11.42
